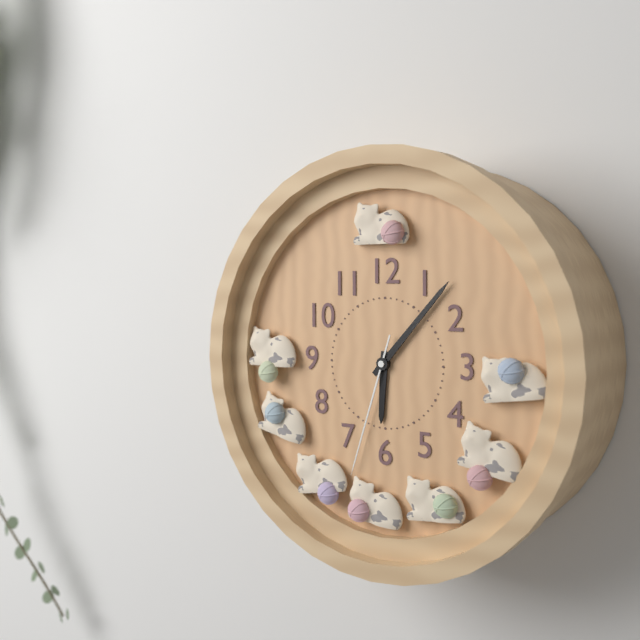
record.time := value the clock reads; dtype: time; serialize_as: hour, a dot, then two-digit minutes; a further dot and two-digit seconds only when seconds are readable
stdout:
6.07.33
